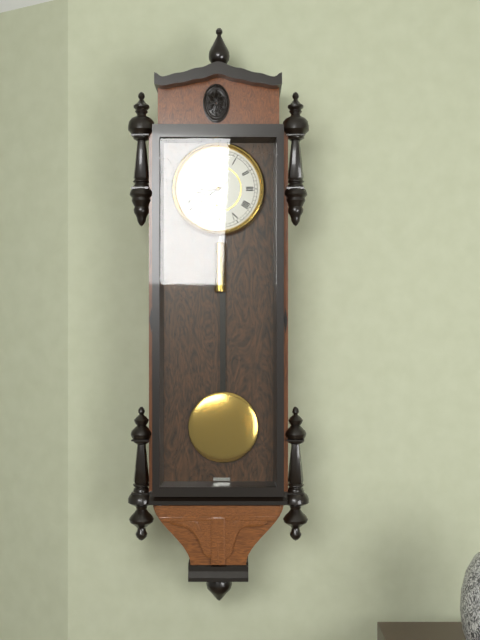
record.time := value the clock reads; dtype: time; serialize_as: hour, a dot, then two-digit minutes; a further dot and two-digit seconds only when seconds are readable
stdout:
8.39
